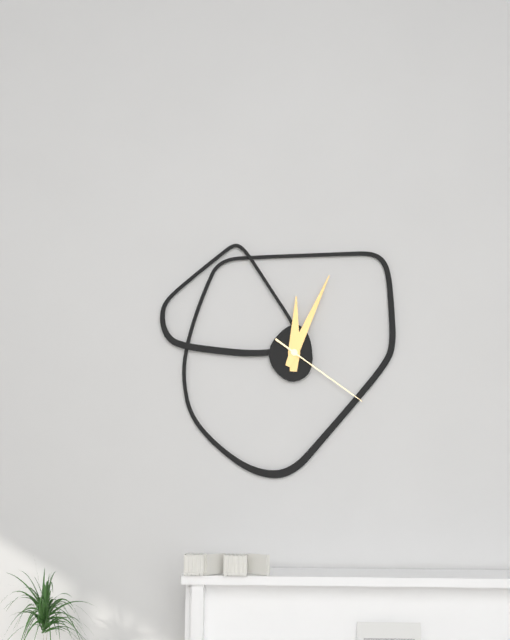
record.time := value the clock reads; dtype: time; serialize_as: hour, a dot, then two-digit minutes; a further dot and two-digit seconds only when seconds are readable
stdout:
12.04.21
